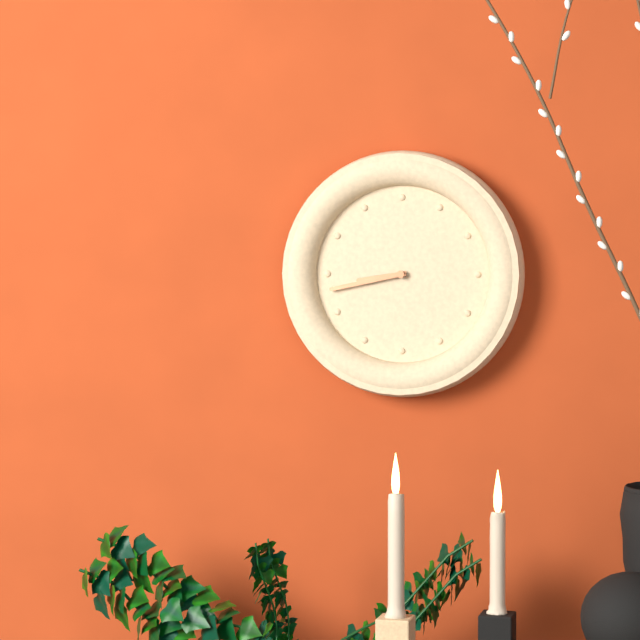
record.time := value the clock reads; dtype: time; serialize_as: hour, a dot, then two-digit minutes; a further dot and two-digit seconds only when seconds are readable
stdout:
8.43
